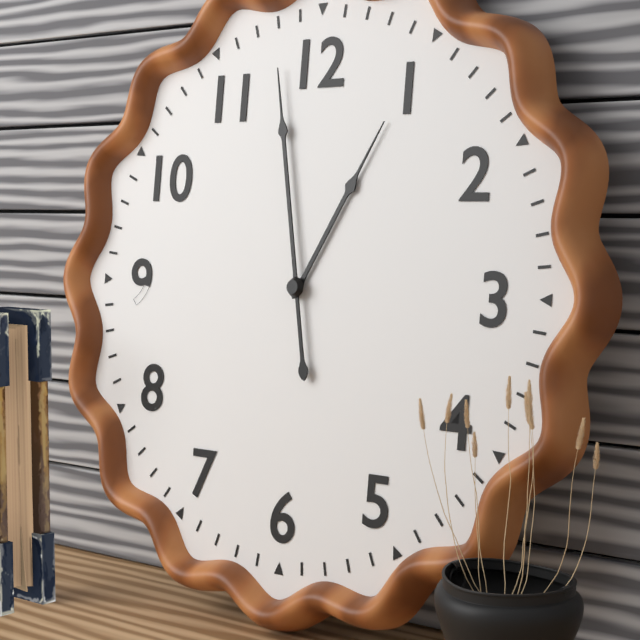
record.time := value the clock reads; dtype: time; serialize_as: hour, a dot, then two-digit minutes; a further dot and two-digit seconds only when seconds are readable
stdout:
12.58
